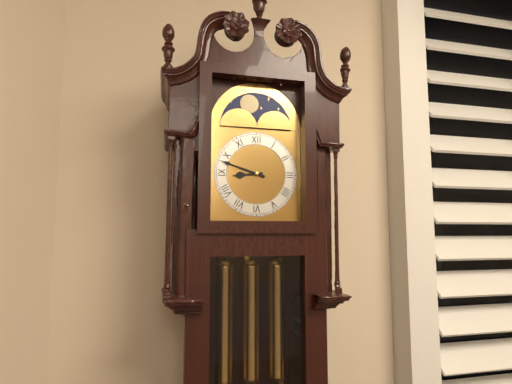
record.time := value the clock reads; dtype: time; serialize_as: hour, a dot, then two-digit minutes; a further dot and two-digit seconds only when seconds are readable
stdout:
8.48
